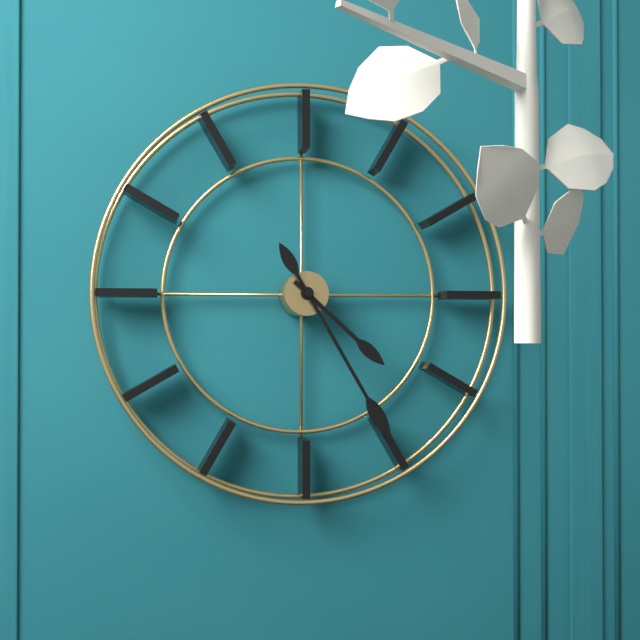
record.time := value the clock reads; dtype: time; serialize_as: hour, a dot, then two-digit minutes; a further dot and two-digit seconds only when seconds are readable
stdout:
4.25
